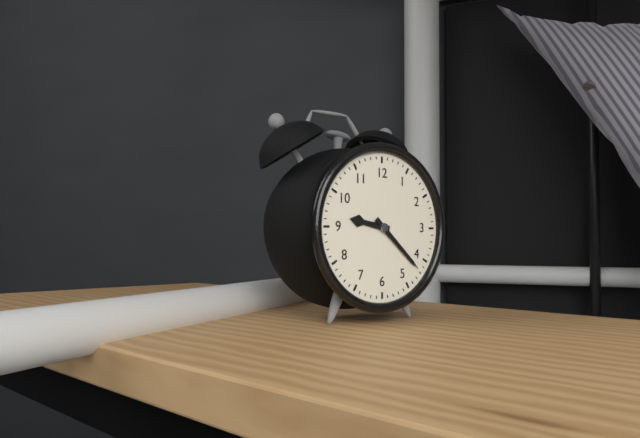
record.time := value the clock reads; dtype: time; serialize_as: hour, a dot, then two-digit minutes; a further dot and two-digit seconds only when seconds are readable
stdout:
9.22
